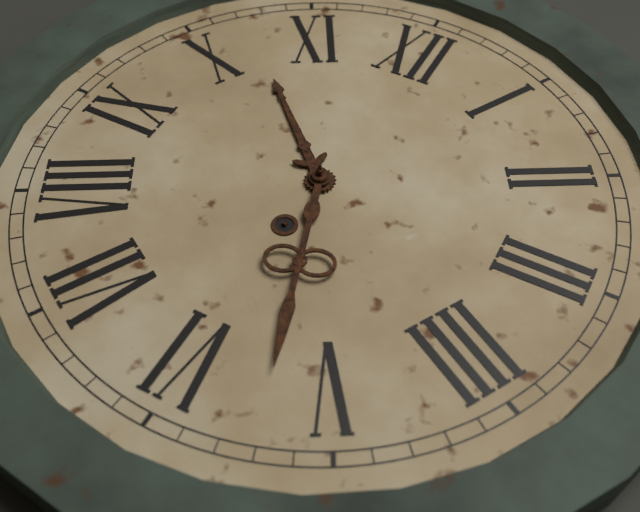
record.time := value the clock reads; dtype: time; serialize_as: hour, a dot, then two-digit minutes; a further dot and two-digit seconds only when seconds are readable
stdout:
10.27
